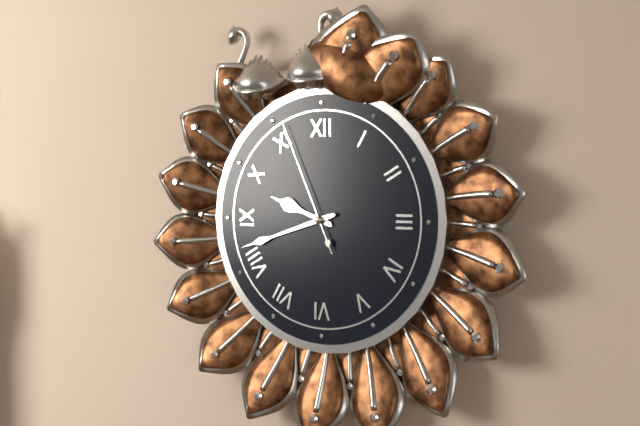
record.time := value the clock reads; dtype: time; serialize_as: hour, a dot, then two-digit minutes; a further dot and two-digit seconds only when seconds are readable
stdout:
9.42.56
